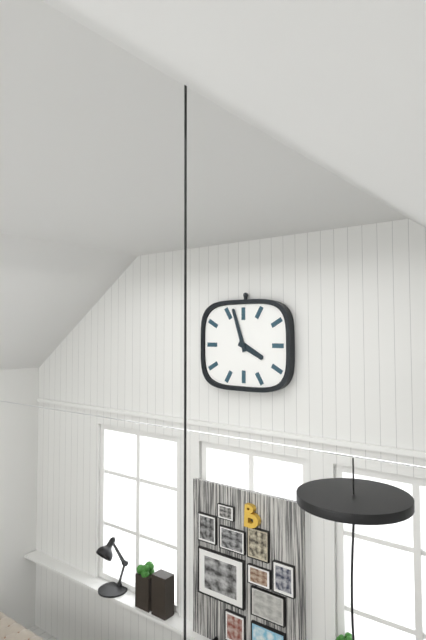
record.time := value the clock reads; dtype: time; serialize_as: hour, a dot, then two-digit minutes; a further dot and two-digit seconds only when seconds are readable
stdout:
3.57
